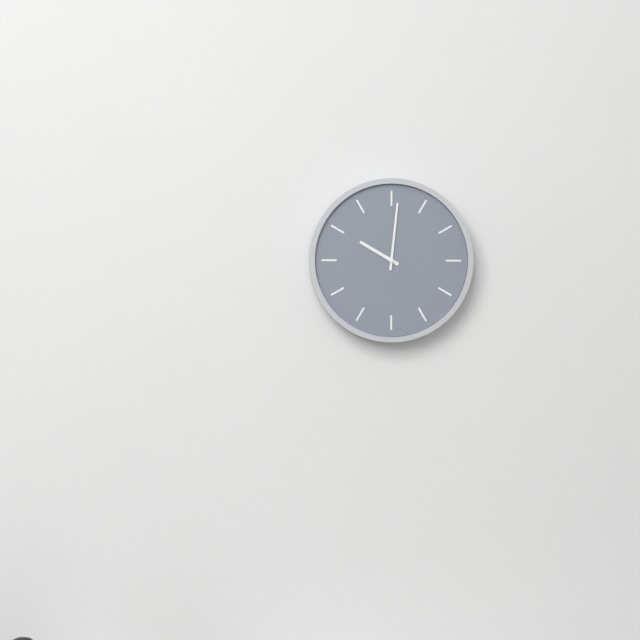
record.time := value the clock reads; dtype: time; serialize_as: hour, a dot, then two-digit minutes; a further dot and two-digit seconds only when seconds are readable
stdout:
10.01
